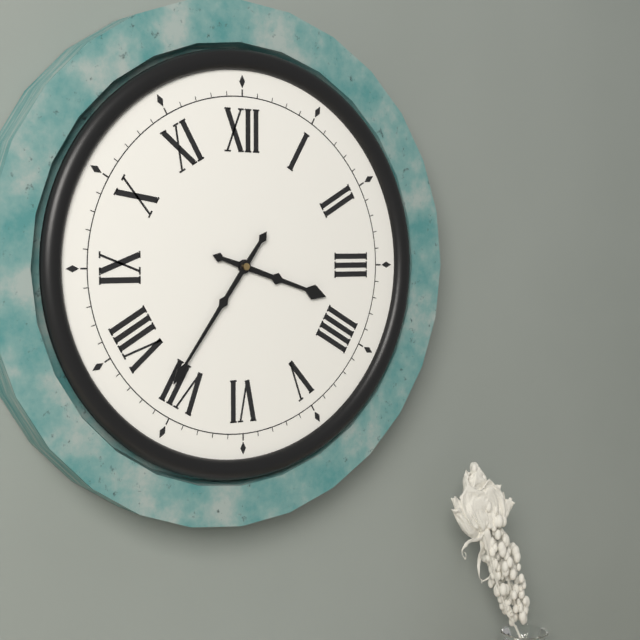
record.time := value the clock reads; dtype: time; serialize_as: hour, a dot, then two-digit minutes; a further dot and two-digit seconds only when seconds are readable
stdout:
3.36
